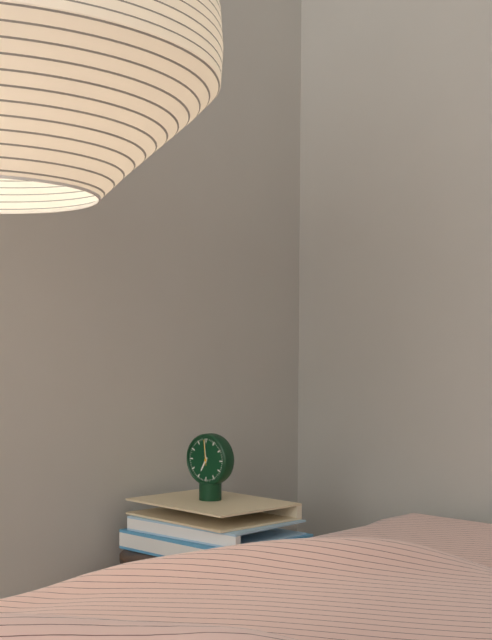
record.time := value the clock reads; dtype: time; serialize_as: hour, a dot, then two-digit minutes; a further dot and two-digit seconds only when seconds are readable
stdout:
6.59
